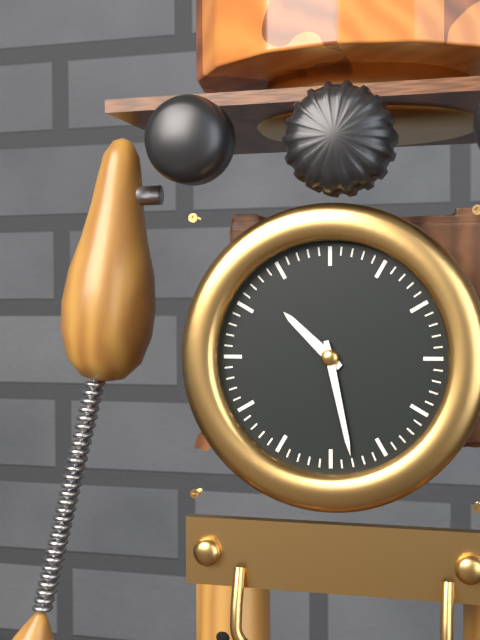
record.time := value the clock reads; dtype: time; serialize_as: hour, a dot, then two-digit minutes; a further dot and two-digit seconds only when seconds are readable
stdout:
10.28
